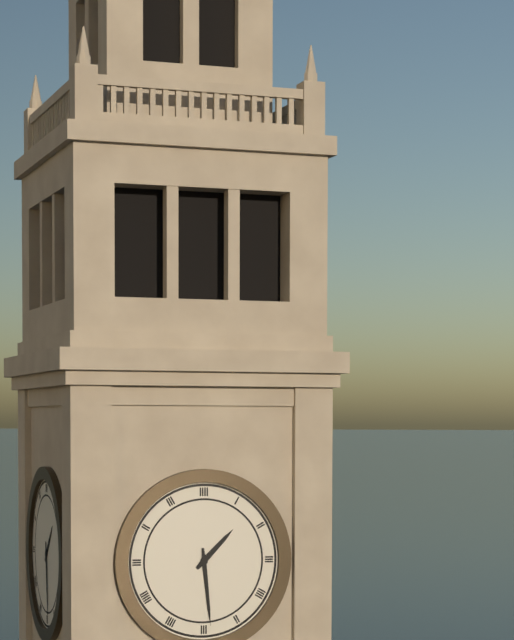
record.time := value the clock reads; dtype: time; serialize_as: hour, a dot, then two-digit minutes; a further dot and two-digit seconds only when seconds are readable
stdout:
1.29
